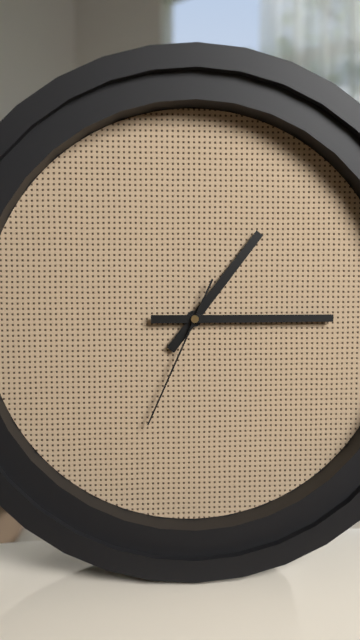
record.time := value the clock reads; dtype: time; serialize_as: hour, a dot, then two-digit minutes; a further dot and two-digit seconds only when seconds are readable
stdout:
1.15.34
